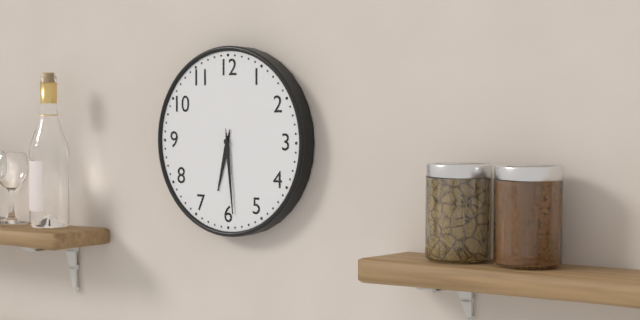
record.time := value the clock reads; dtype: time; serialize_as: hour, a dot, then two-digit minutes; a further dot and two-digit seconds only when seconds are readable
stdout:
6.29
